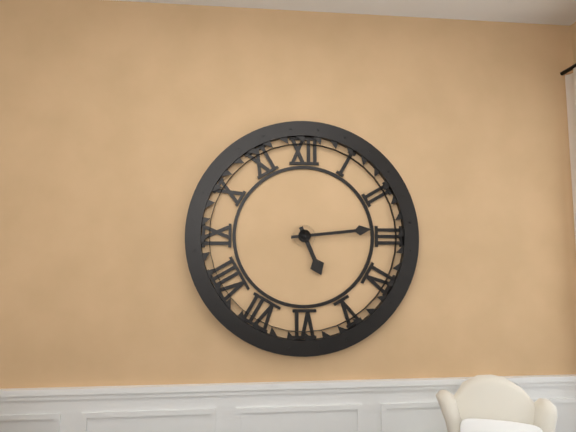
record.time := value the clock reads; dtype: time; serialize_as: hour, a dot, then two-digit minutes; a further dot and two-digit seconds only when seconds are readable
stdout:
5.14
